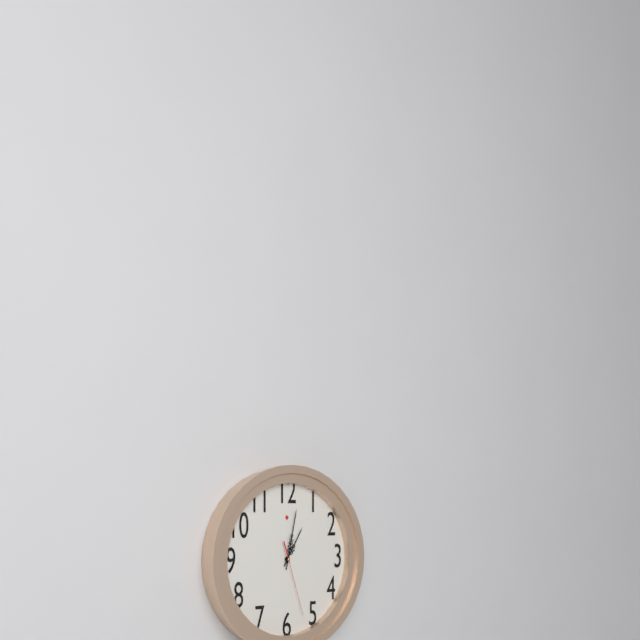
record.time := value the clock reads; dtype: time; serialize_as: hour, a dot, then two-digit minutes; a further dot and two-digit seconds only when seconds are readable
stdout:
1.02.27
